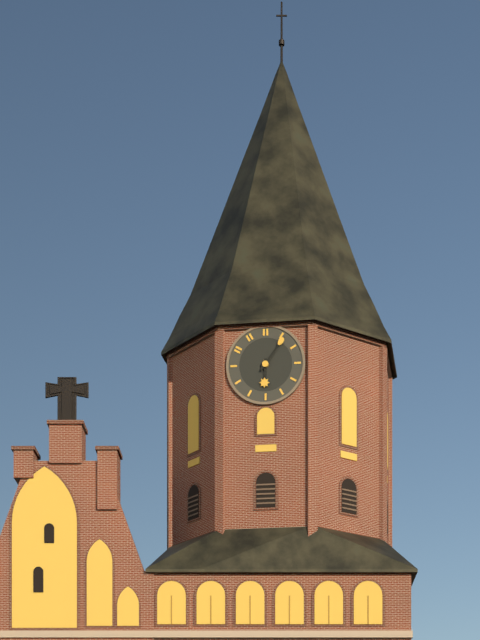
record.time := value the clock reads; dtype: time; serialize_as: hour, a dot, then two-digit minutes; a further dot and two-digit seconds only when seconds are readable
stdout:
6.06
